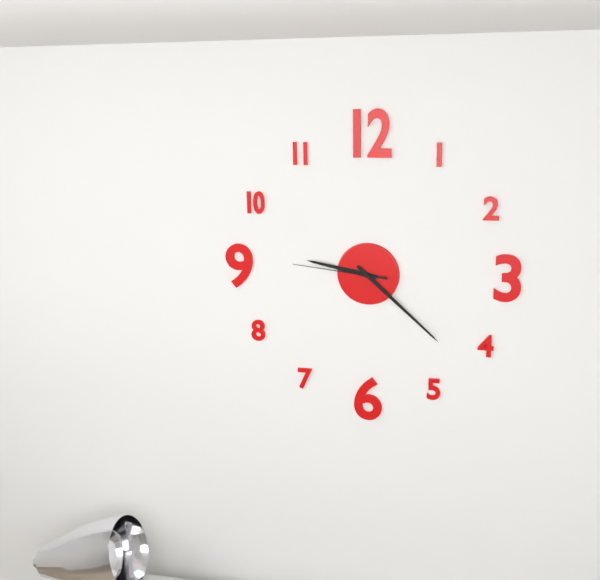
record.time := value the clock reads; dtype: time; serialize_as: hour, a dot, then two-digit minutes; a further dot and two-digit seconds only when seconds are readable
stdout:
9.22.46
